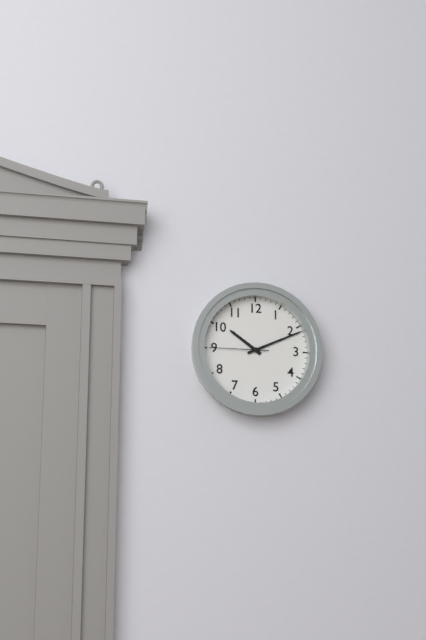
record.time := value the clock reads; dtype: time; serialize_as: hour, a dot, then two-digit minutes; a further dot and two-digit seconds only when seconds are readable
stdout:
10.11.45
